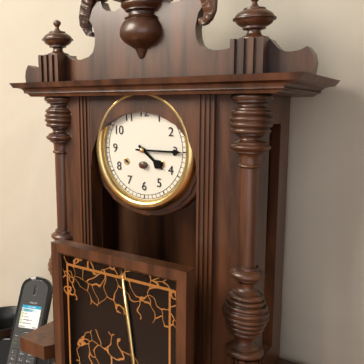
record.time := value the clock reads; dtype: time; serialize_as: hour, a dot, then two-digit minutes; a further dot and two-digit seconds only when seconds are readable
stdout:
4.15
